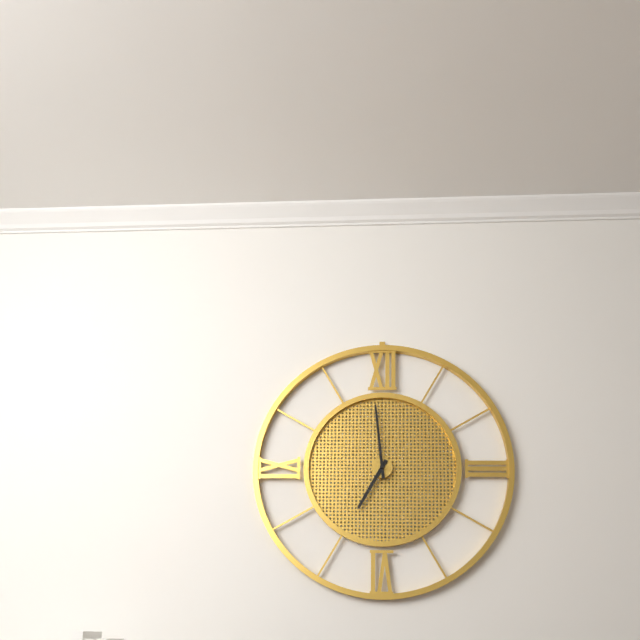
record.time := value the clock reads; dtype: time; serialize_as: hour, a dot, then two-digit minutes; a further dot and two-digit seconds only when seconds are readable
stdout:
6.59
